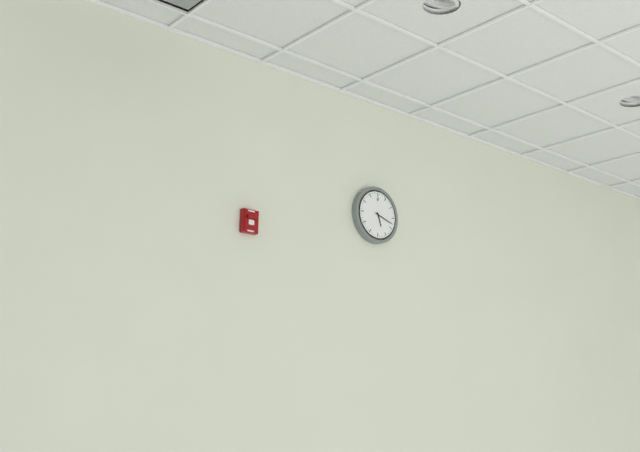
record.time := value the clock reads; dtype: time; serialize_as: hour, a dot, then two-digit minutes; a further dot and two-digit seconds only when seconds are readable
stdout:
5.18
